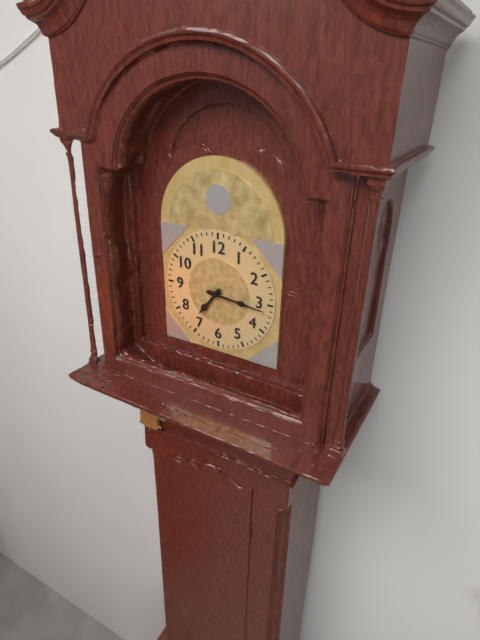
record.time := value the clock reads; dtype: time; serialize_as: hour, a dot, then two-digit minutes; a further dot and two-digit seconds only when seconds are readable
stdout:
7.16
